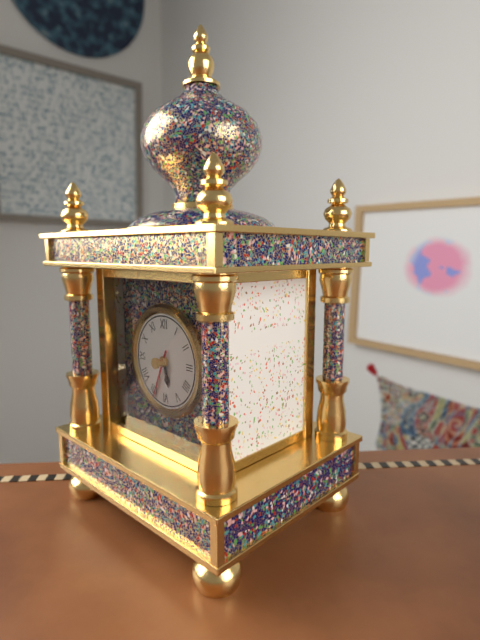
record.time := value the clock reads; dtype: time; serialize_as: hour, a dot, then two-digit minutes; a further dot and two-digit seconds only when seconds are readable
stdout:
5.34
